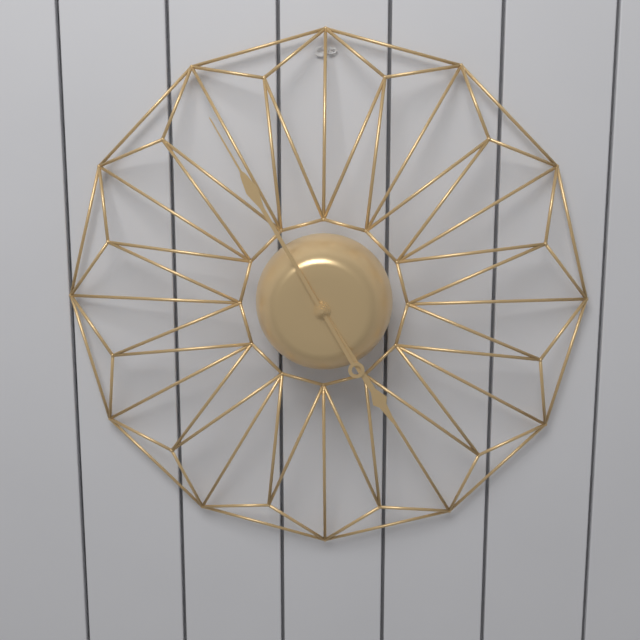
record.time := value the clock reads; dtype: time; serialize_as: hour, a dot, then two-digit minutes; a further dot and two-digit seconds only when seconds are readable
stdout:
4.55
